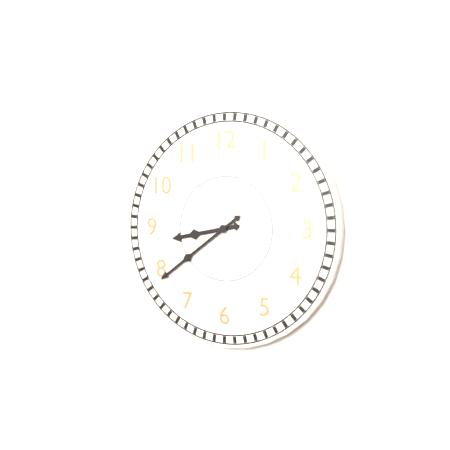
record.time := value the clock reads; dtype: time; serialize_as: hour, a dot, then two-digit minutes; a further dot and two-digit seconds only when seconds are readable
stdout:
8.39
